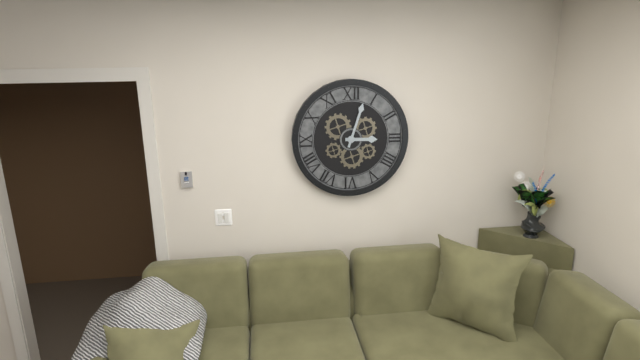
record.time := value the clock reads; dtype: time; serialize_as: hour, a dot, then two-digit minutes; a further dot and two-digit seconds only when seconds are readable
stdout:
3.03
